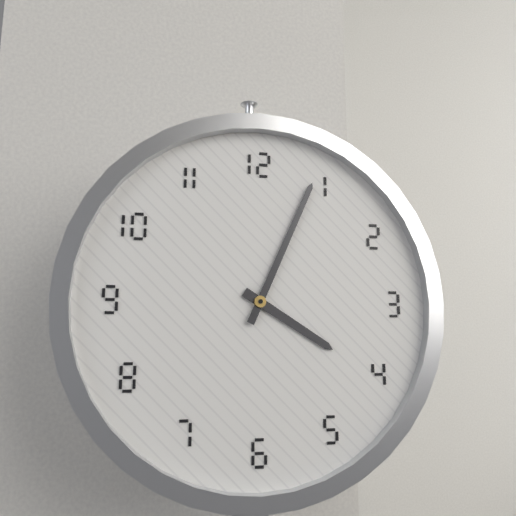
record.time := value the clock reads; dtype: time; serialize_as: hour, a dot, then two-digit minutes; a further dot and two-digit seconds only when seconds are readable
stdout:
4.04
